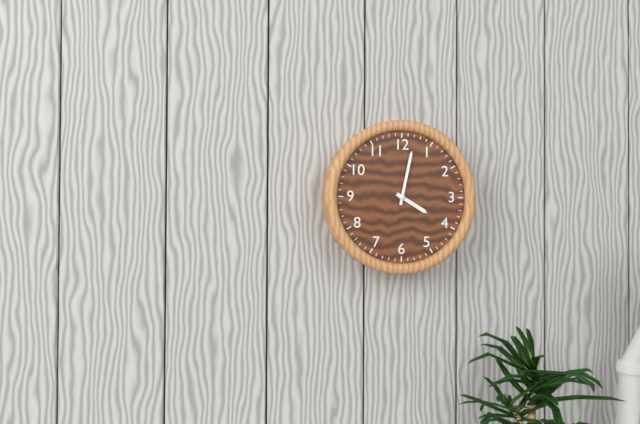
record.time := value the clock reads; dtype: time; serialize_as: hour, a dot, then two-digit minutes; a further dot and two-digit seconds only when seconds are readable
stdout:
4.02
